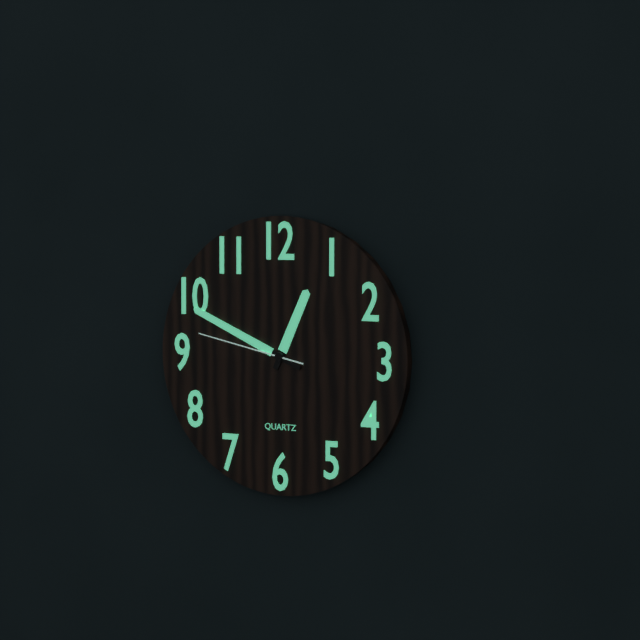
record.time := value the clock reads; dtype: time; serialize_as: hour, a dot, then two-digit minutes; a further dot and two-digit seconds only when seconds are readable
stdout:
12.49.47
